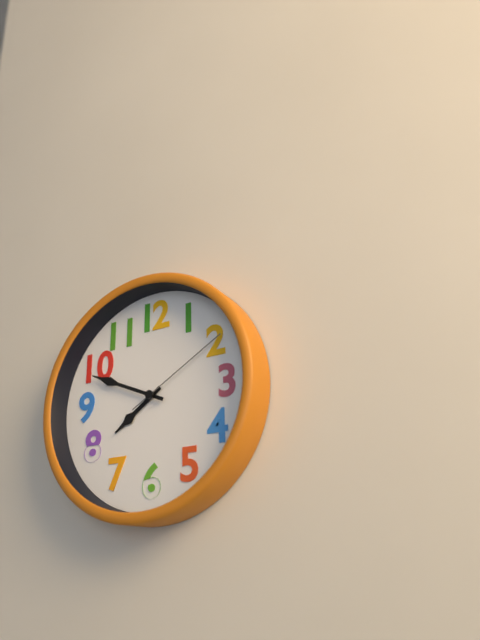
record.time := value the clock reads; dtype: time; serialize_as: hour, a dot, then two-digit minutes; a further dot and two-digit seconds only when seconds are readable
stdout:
7.49.10
